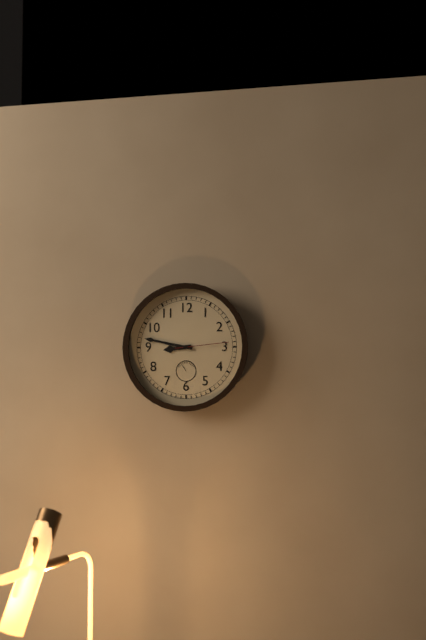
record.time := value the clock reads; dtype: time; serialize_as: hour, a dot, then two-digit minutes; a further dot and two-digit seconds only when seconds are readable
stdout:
8.47.14
